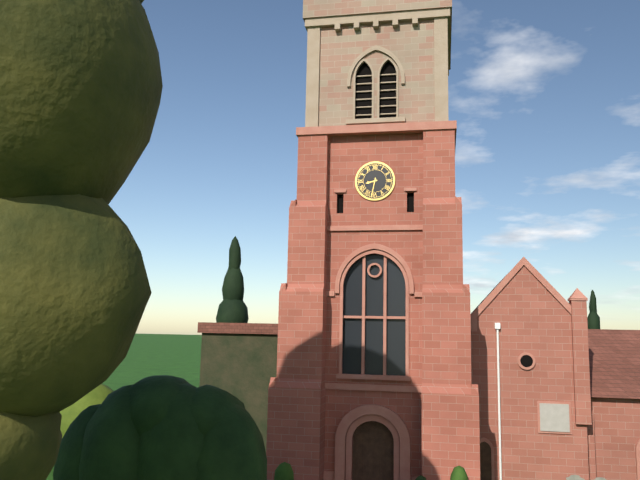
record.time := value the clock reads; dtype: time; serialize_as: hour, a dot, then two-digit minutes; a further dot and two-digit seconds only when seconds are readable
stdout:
8.32
